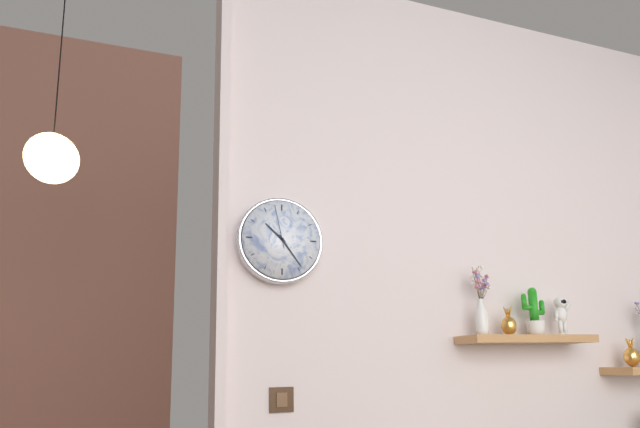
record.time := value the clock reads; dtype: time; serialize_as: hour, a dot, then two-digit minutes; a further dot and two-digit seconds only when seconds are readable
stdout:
10.24
